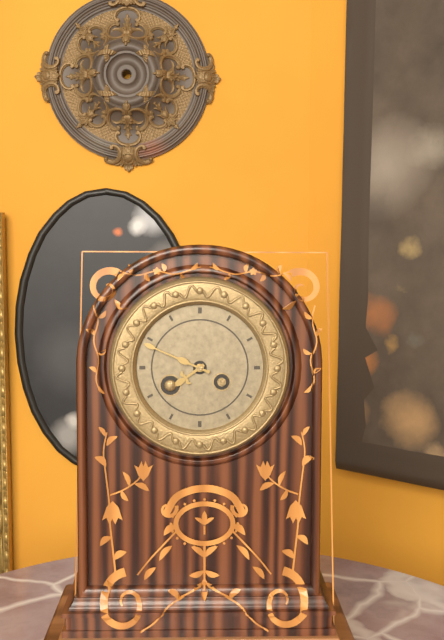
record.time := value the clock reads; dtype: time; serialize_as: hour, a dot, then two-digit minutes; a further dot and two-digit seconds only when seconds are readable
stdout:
7.49
